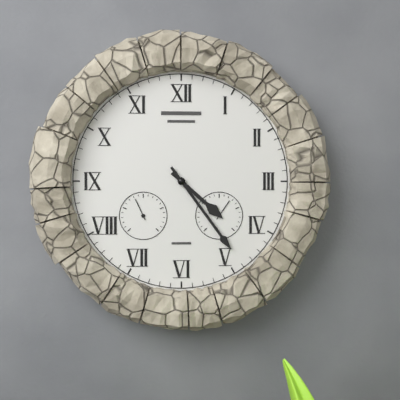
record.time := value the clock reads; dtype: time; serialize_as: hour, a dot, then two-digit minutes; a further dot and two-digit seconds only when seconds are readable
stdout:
4.24
